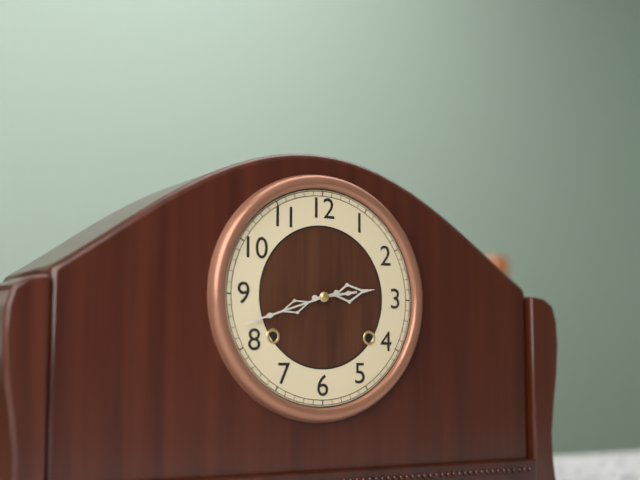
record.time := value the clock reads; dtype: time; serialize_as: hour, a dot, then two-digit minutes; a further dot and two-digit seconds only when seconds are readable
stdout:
2.42
